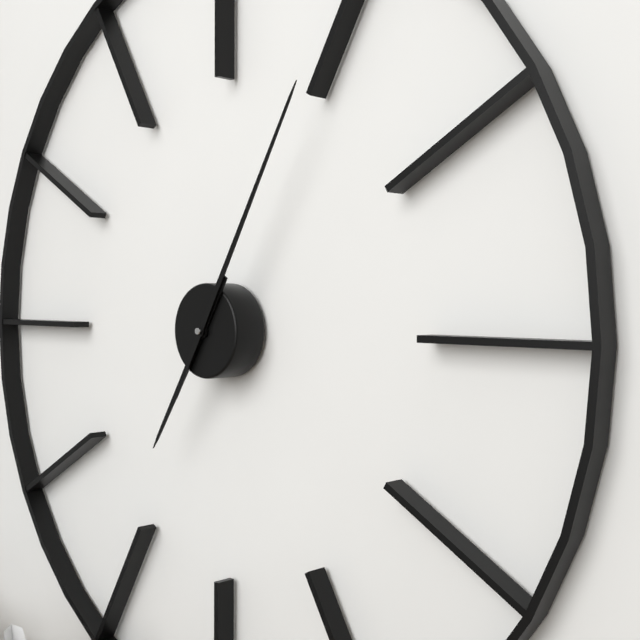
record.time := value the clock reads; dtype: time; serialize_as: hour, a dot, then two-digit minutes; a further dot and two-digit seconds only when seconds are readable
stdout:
7.05
